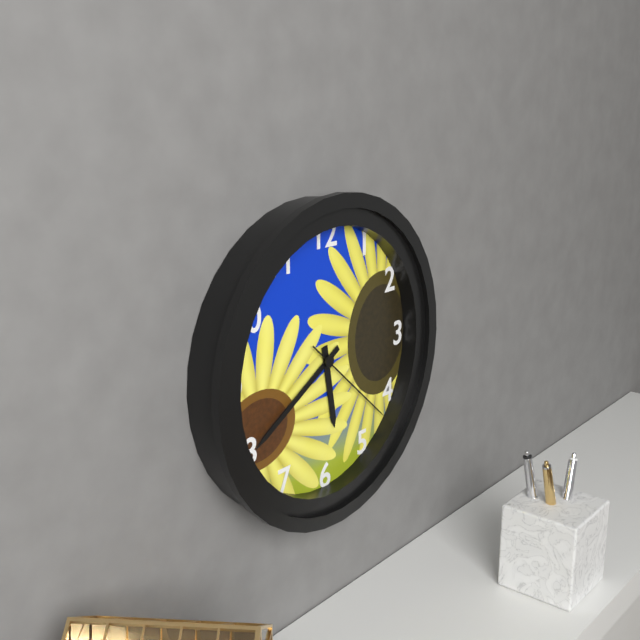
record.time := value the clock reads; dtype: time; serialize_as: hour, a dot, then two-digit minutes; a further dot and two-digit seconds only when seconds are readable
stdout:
5.40.22
